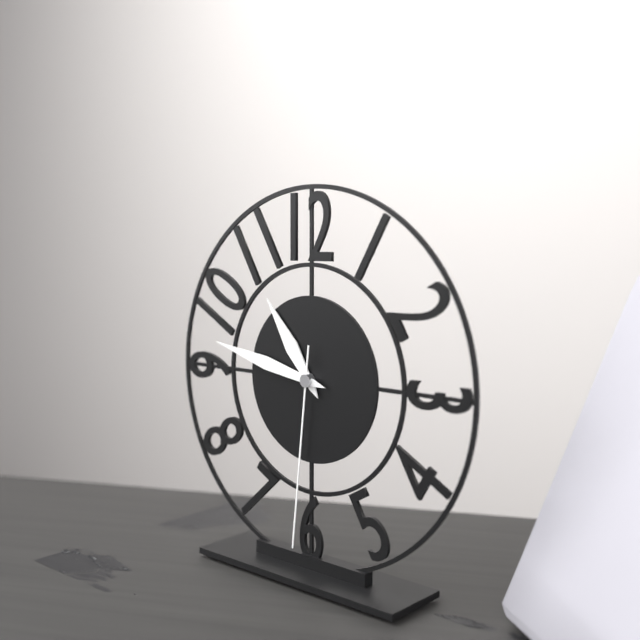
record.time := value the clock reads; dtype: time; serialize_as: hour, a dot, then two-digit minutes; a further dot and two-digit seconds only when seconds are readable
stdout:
10.47.31
